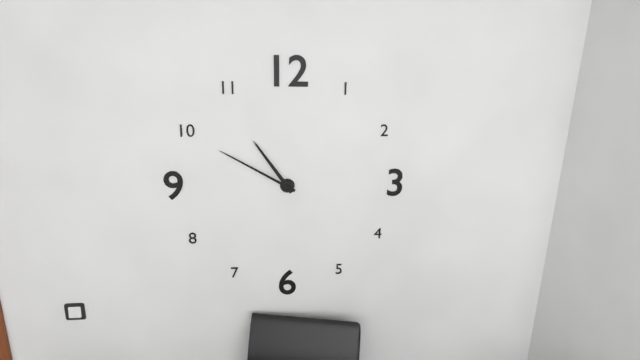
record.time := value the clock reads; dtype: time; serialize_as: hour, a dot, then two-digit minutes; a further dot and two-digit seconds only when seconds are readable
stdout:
10.50
